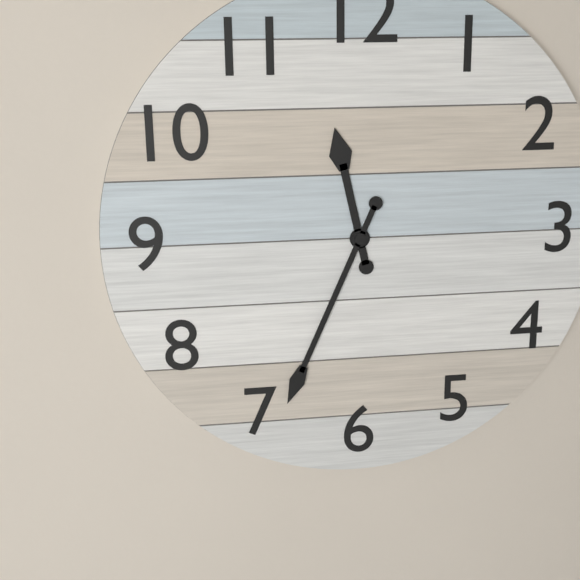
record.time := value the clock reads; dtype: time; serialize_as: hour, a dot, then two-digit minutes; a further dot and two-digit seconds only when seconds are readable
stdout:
11.34
